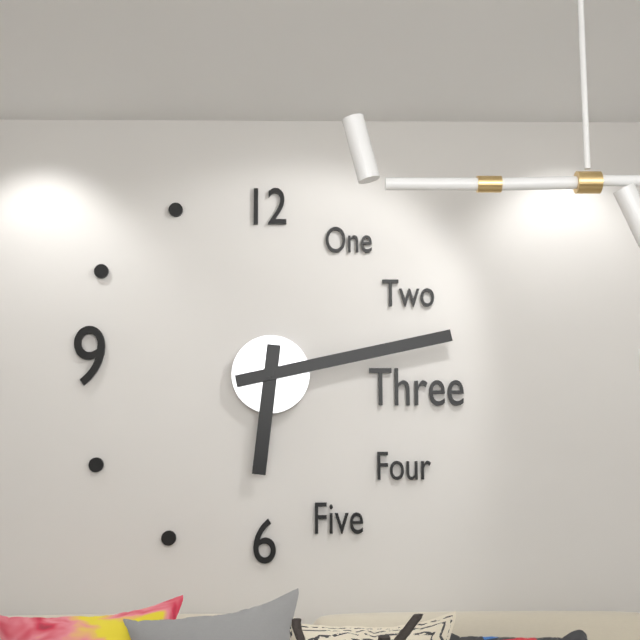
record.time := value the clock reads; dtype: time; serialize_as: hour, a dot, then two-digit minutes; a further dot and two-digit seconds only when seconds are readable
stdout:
6.13
